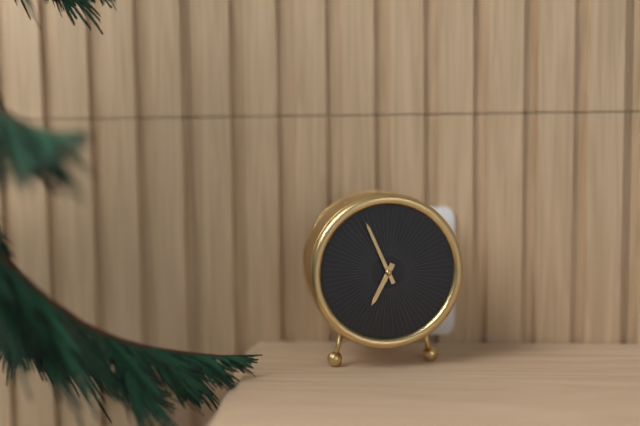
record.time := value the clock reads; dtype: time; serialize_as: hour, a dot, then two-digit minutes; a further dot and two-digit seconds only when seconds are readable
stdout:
6.56
